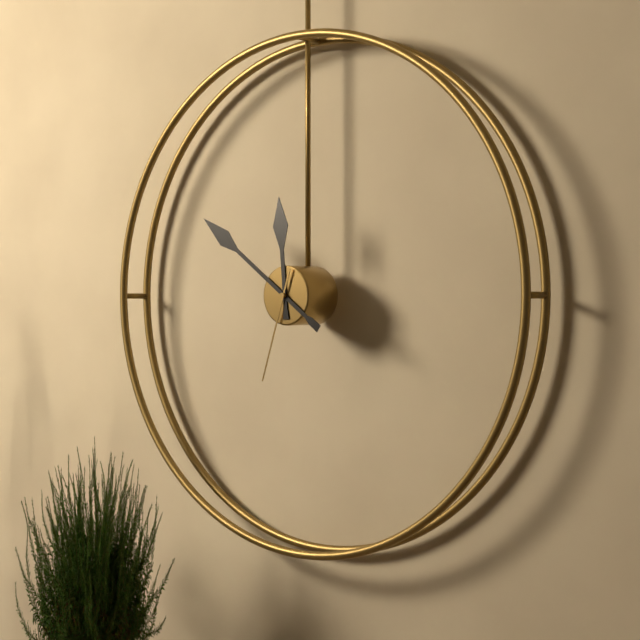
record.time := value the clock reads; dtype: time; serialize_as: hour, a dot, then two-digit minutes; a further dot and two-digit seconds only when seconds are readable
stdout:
11.51.33
